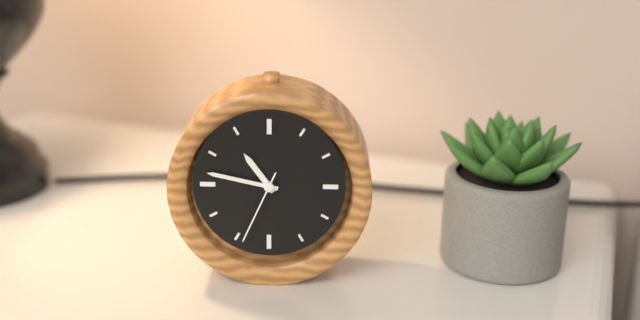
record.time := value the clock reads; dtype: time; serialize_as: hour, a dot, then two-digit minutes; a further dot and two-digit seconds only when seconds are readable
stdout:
10.47.34
